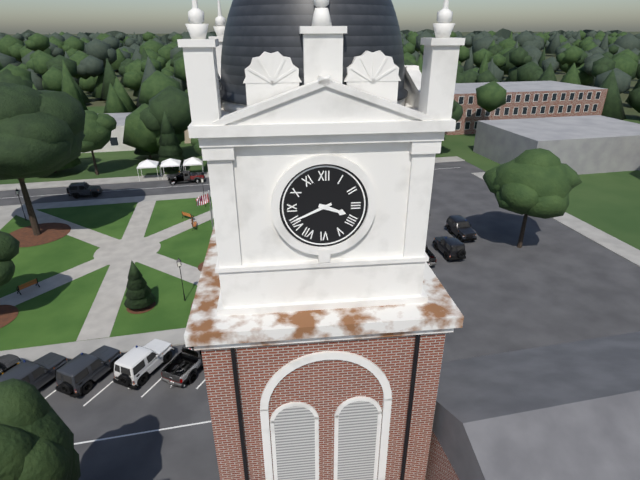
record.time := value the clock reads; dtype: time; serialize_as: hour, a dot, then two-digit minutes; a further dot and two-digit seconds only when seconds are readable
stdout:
3.41
